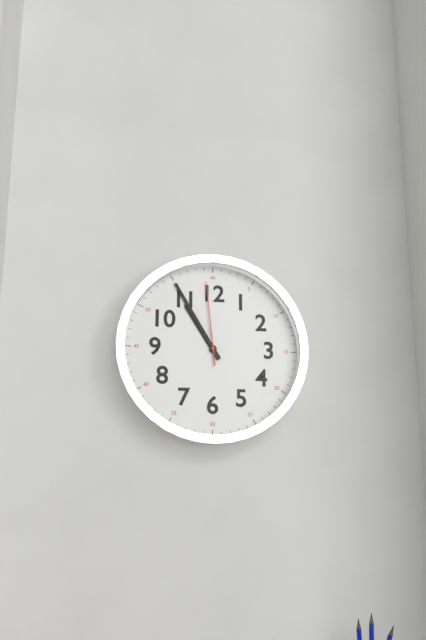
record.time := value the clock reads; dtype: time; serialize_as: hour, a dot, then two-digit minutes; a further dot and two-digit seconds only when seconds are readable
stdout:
10.55.59
